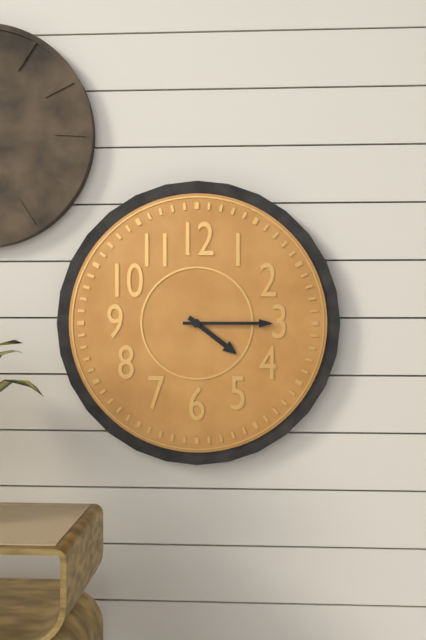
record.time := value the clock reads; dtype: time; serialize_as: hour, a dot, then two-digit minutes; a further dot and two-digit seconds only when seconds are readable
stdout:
4.15
